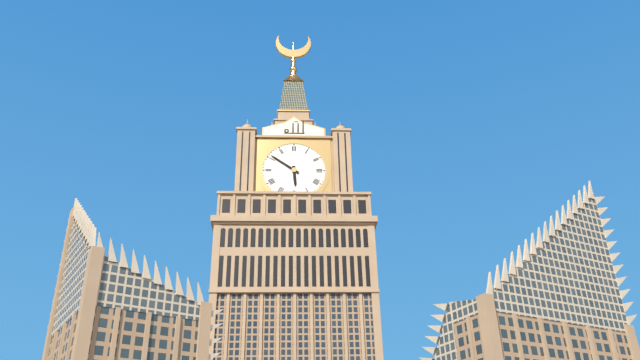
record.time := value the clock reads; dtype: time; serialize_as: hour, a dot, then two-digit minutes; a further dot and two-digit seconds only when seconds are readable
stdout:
5.51
